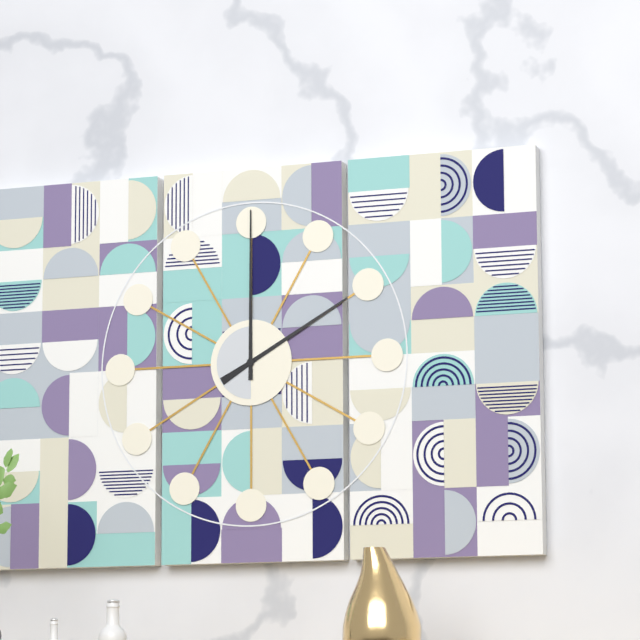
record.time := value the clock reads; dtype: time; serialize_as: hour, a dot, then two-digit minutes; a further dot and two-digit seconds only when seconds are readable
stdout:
2.00
